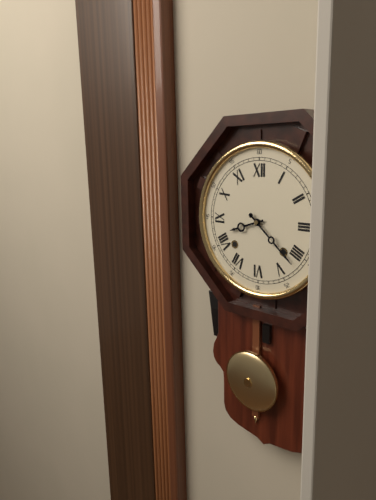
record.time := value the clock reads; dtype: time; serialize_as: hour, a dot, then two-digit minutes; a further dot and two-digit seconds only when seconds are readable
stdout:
8.22
